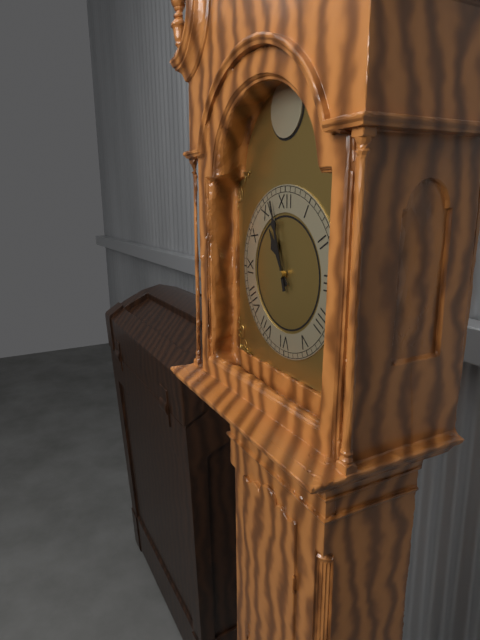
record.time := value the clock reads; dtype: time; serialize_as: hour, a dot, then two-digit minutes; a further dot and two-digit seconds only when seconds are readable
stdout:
10.57
